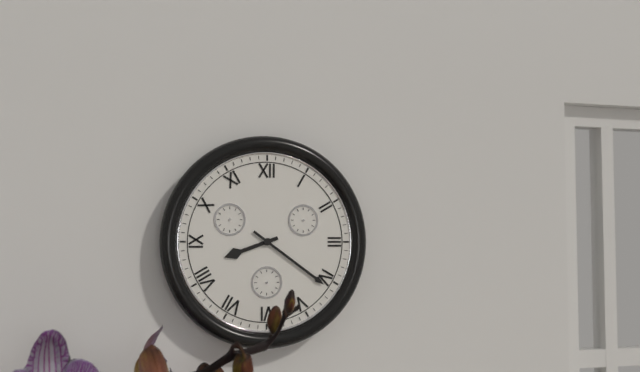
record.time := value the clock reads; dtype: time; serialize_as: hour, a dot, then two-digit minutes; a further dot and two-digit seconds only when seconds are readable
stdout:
8.21
